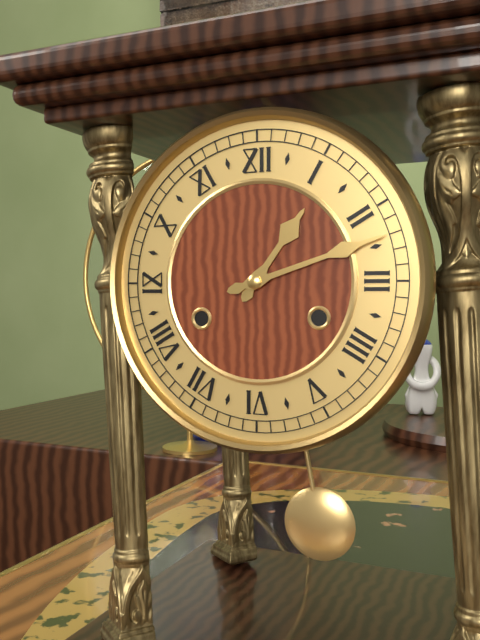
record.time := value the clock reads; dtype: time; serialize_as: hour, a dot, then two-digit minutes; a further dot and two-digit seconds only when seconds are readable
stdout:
1.12
